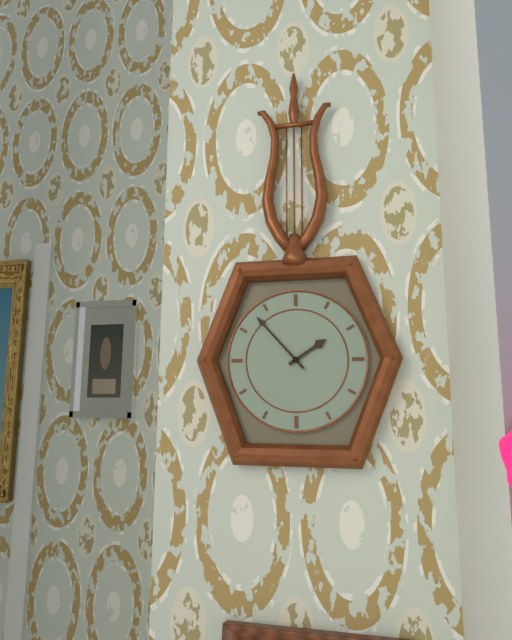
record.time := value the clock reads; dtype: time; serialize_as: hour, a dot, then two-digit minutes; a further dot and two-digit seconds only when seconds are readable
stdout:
1.53
